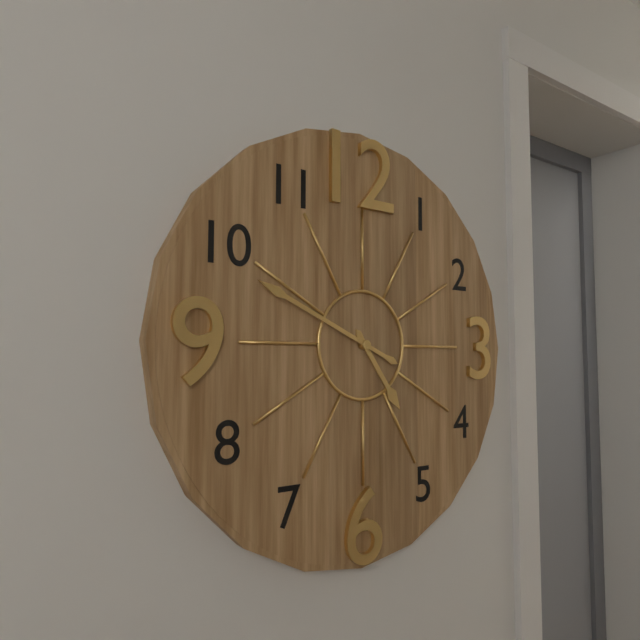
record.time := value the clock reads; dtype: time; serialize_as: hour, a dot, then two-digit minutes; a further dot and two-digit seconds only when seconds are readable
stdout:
4.49
